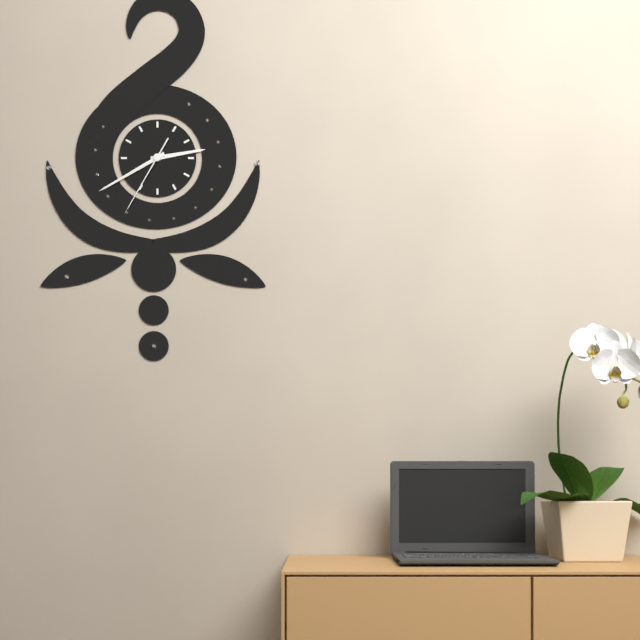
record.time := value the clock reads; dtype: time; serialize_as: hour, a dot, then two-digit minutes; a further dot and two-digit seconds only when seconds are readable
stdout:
2.40.35
